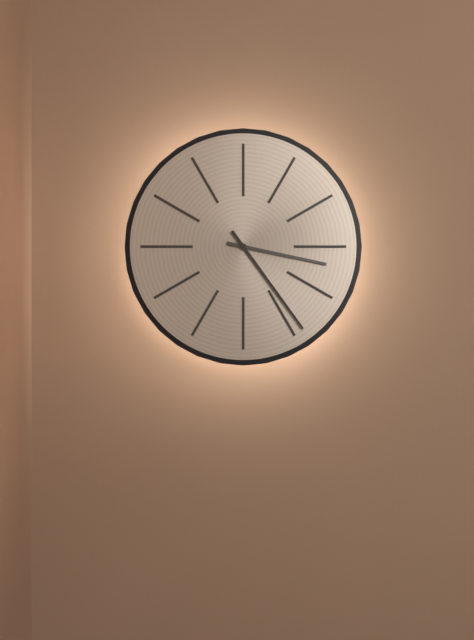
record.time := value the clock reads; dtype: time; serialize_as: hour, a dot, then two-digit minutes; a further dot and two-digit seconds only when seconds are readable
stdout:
3.24
